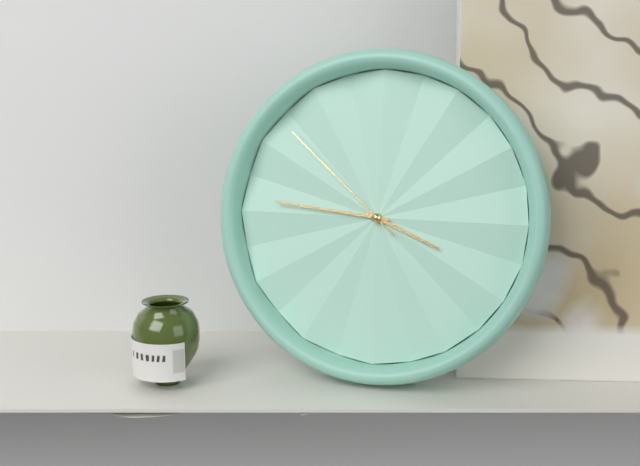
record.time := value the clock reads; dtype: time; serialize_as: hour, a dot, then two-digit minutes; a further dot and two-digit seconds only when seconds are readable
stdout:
3.46.52
